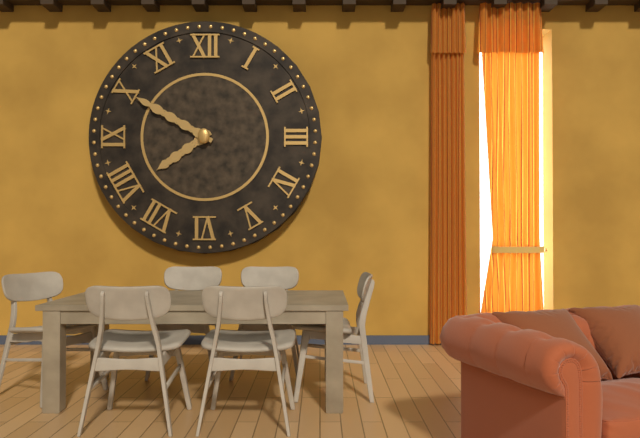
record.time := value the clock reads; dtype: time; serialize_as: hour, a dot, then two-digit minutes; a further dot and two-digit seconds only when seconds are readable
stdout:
7.50
